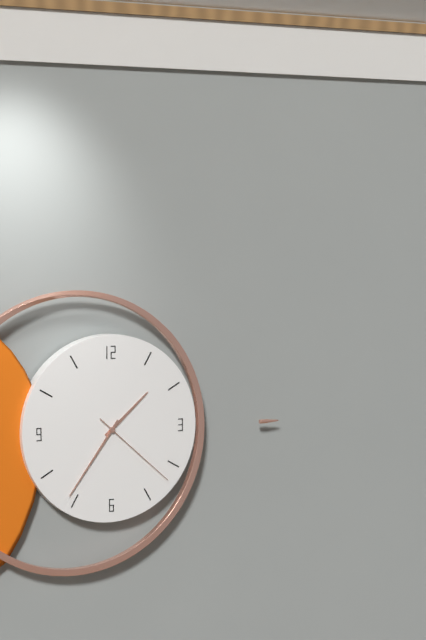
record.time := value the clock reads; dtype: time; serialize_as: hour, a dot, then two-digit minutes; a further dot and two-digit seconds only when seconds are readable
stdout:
1.36.22
